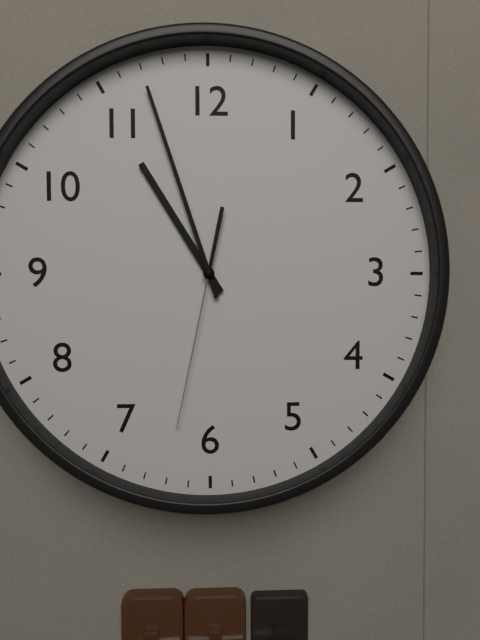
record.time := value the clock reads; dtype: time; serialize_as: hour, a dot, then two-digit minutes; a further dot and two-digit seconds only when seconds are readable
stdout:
10.57.32
